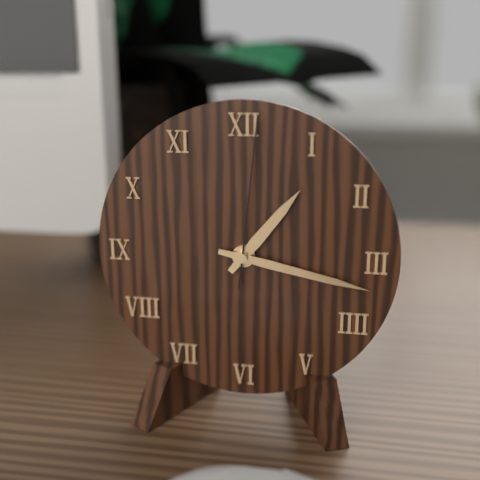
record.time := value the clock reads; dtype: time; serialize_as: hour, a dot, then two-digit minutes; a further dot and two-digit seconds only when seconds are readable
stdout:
1.17.01
